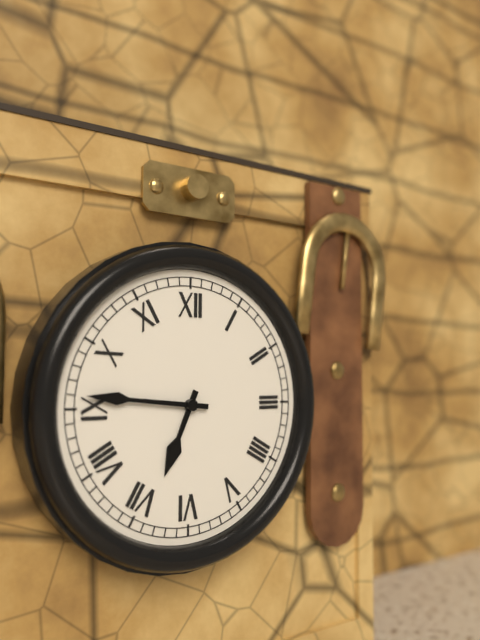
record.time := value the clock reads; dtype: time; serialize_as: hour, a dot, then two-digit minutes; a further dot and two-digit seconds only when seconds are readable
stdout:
6.46
